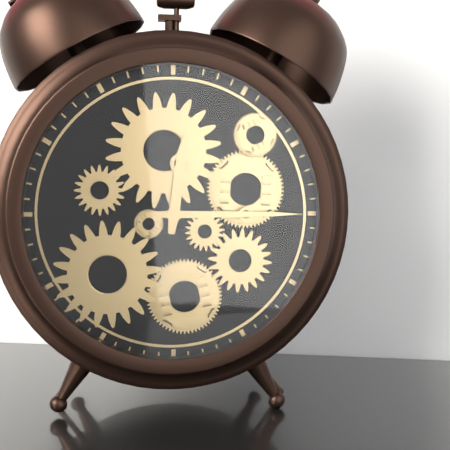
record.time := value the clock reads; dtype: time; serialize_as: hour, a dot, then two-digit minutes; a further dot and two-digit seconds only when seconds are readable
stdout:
12.15
